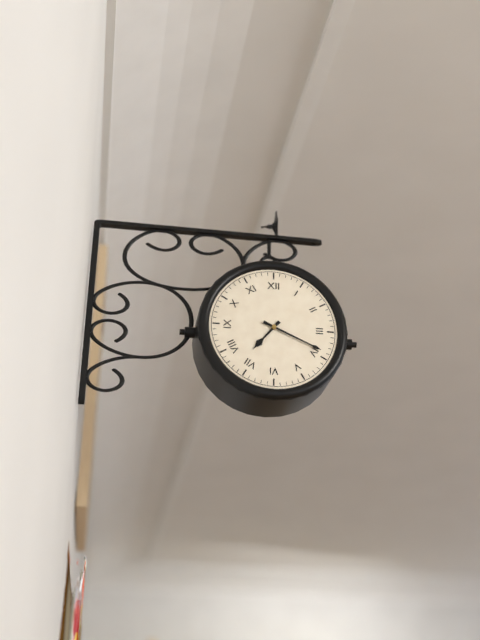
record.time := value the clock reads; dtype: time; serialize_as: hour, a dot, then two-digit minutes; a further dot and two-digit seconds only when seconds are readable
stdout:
7.19
